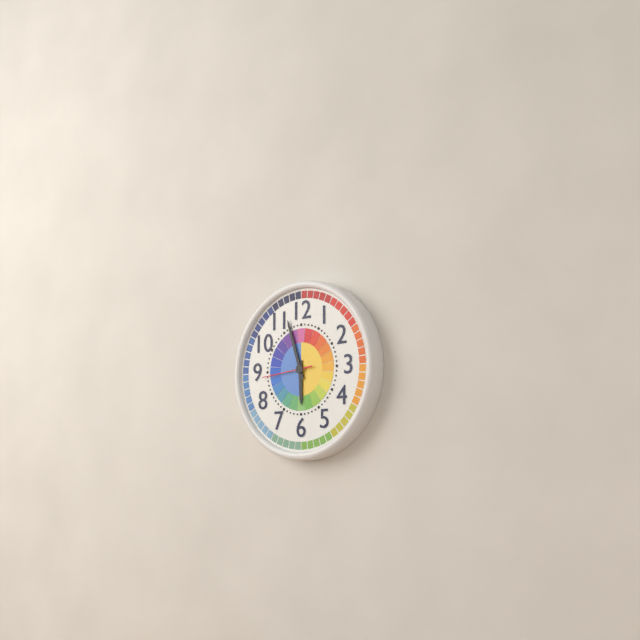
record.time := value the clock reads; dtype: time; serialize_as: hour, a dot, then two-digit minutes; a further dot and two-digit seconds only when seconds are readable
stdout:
5.57
